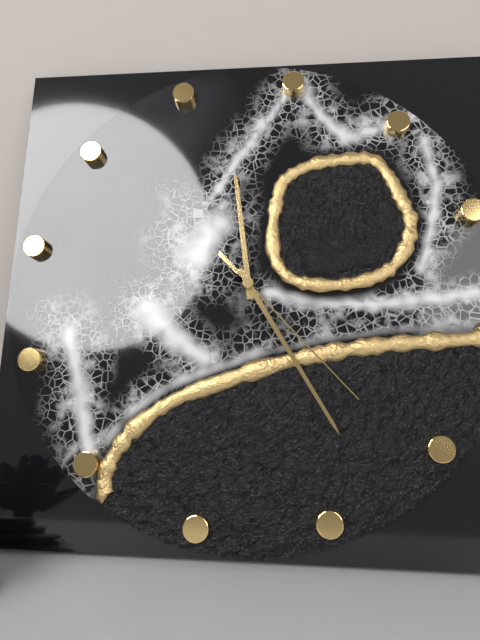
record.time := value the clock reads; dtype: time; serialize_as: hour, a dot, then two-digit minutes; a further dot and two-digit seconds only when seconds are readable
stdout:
11.23.21
